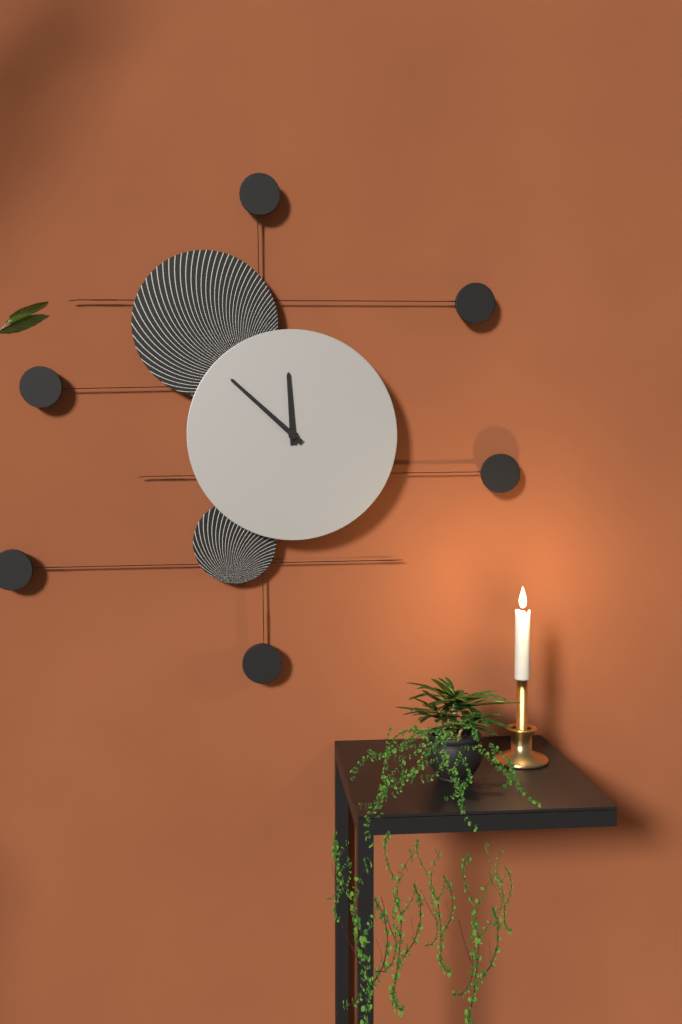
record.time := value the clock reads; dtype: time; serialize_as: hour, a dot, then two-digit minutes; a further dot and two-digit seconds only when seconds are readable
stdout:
11.52
